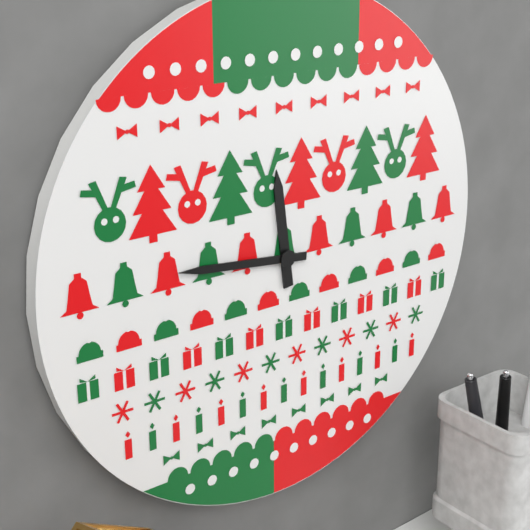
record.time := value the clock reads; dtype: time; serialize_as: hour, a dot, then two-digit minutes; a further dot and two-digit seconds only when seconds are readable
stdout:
11.46
